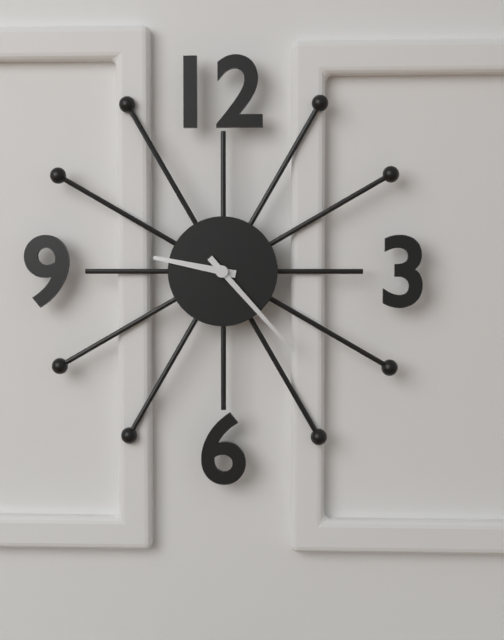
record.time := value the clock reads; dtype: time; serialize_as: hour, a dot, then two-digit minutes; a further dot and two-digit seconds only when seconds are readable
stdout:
9.23
